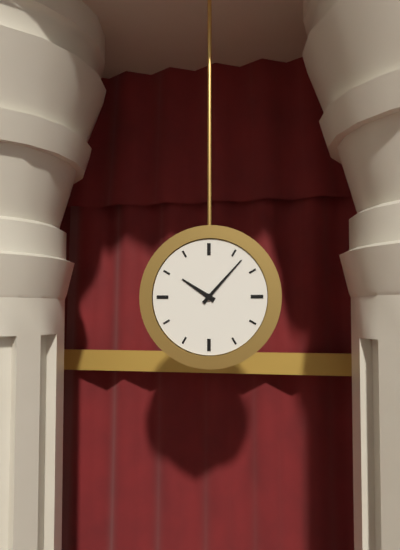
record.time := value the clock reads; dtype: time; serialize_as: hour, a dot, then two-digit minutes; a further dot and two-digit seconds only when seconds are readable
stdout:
10.07
